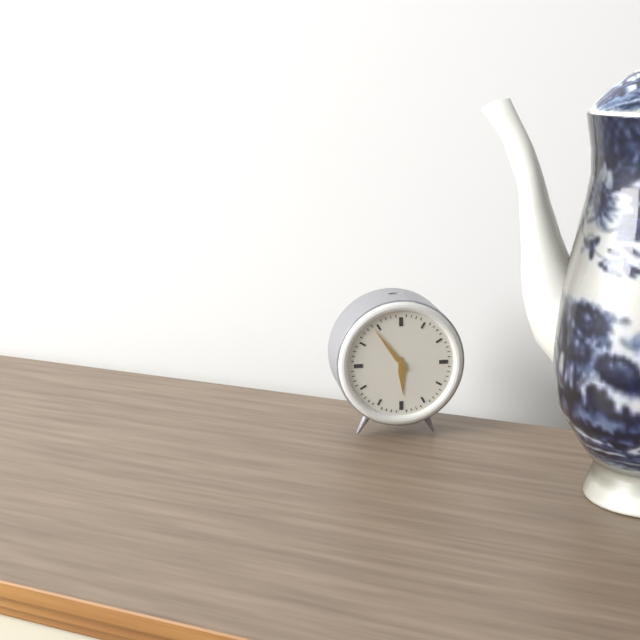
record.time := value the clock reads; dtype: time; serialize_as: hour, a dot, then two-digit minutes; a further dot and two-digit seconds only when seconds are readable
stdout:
5.54
